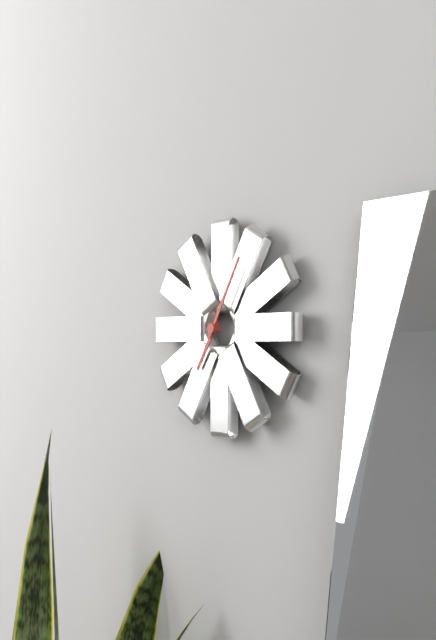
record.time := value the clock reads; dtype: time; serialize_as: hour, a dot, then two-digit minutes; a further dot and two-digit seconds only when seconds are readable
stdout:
7.05
